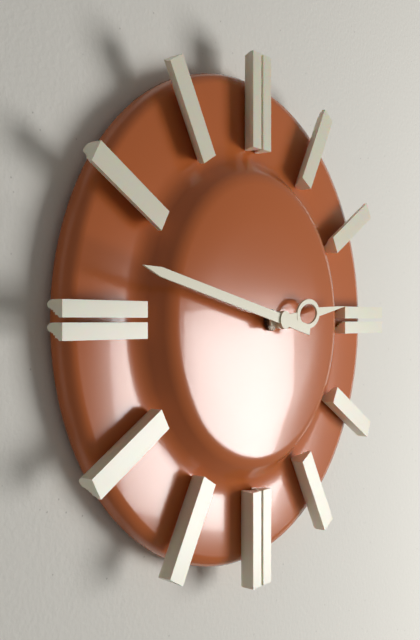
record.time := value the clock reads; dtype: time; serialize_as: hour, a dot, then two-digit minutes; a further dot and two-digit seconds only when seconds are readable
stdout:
2.47
